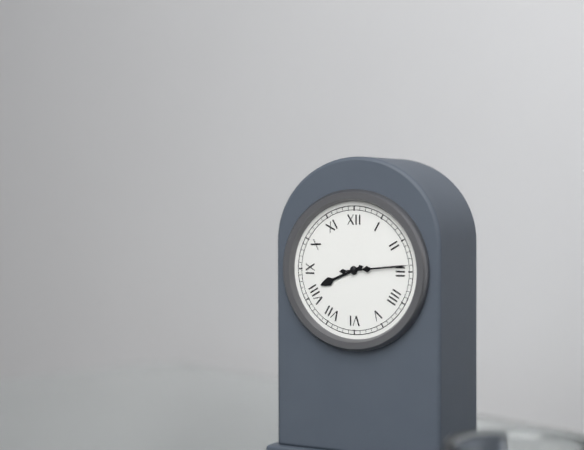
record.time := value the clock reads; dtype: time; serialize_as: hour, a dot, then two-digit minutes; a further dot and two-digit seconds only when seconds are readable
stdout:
8.14
